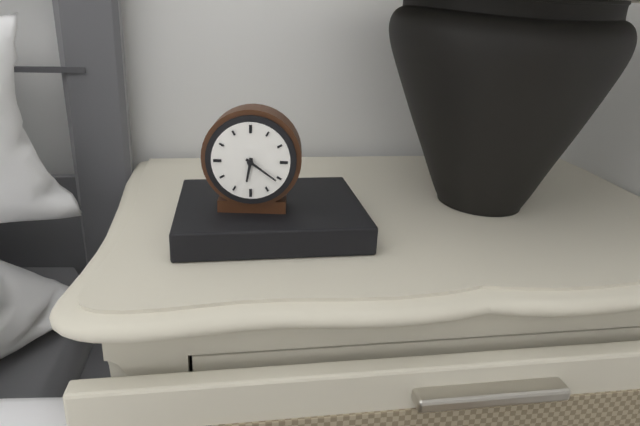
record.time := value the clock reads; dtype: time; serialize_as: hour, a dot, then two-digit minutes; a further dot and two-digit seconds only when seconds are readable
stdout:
6.21
